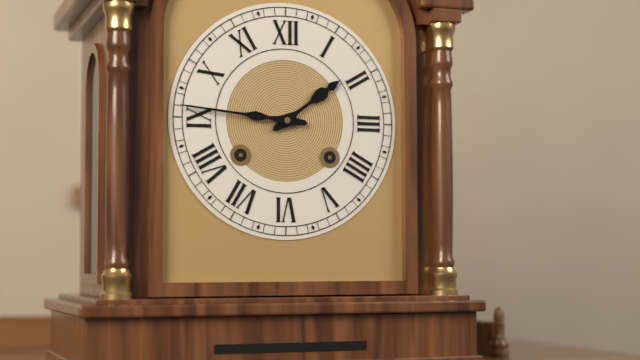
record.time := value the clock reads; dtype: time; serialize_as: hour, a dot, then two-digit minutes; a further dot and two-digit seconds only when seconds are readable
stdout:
1.46
